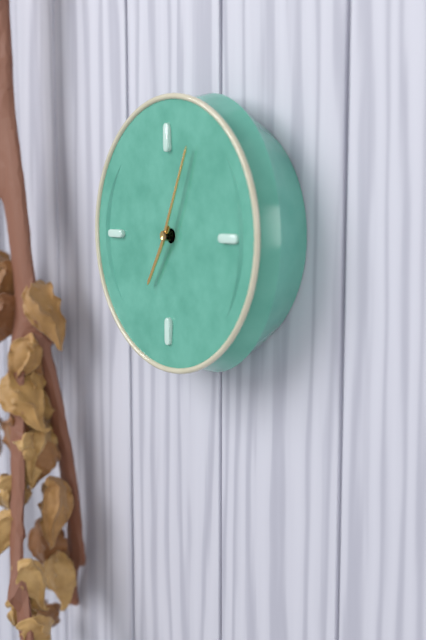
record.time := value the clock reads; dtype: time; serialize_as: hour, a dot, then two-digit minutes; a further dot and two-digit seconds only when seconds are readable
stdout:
7.04
